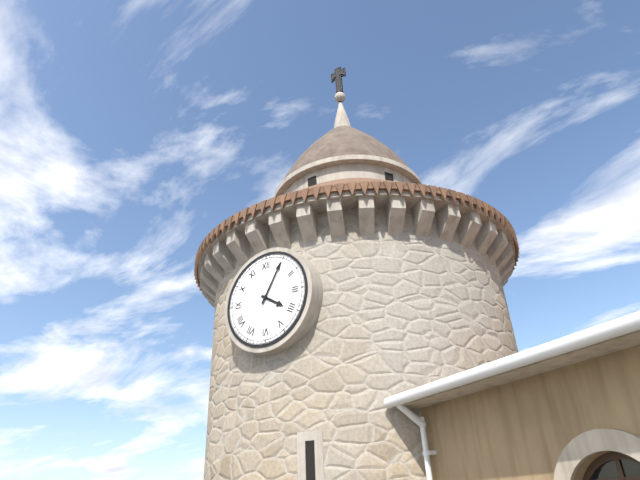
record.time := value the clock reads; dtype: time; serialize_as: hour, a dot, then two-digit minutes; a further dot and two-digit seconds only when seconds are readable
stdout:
4.05
